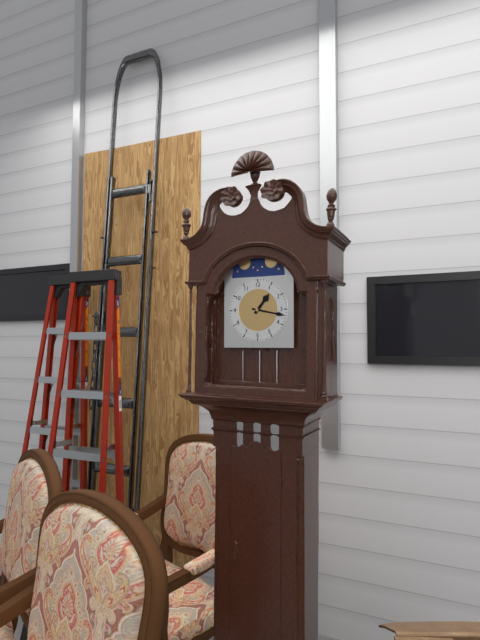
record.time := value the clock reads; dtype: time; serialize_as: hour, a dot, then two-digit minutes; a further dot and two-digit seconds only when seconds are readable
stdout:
1.17
